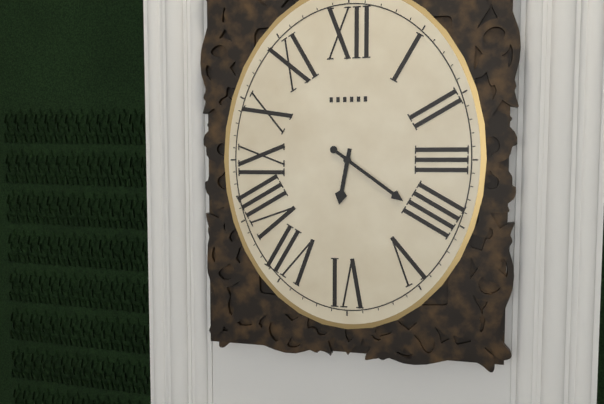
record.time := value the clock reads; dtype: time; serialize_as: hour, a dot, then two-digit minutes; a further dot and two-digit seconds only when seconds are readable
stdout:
6.21
